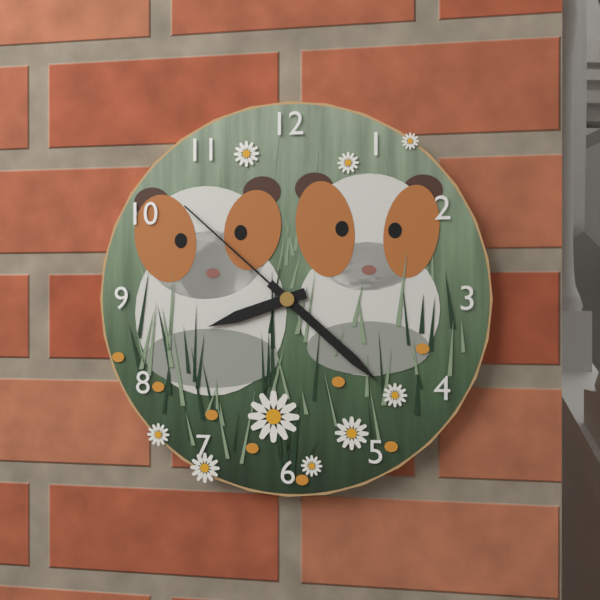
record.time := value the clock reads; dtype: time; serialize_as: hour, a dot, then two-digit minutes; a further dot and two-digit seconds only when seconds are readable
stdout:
8.22.52
